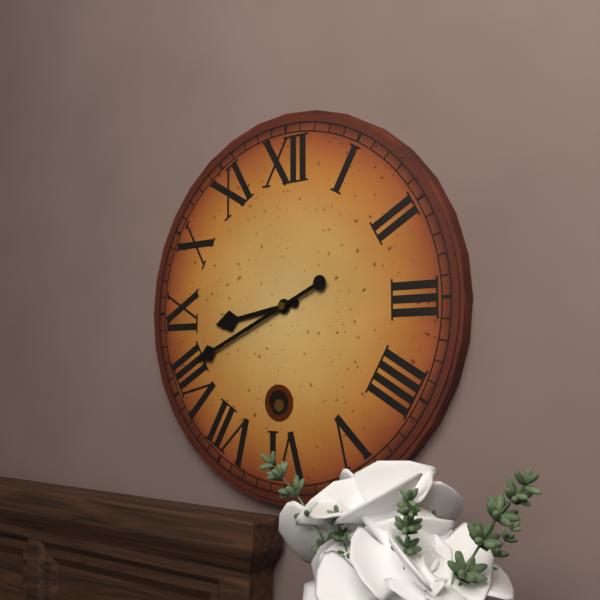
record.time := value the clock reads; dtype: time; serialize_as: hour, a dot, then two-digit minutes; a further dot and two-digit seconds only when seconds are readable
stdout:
8.41
